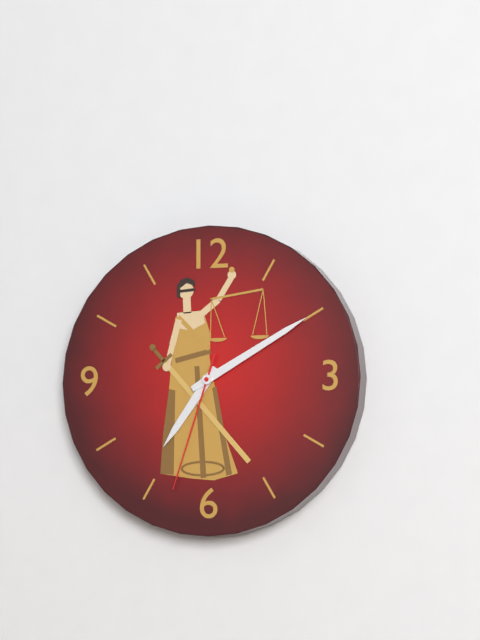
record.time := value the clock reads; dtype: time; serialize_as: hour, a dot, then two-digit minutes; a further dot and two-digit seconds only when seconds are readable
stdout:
7.10.33
